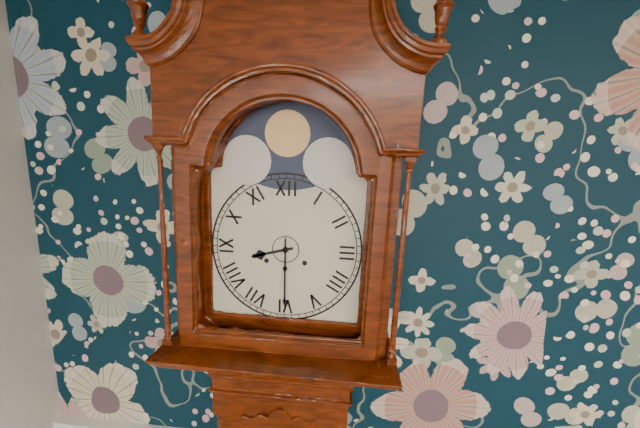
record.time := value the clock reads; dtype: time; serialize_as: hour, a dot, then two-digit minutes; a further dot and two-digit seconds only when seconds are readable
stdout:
8.30
